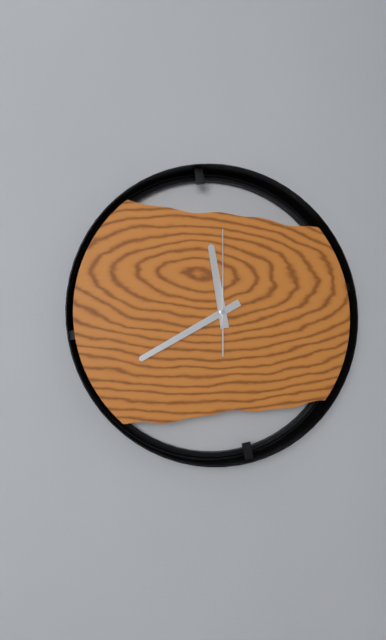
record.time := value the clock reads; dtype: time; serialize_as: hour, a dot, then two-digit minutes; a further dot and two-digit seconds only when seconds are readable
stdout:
11.40.00
